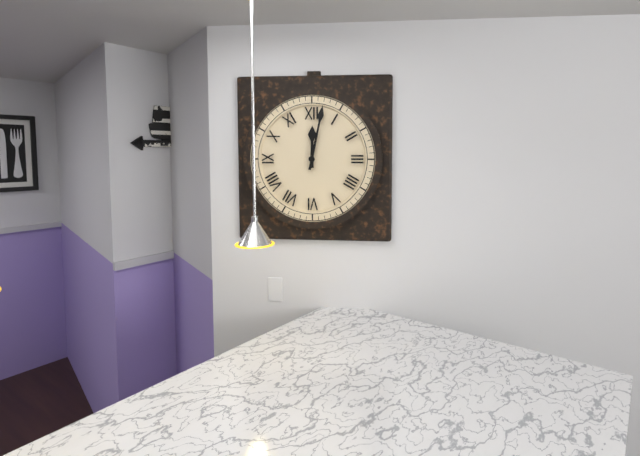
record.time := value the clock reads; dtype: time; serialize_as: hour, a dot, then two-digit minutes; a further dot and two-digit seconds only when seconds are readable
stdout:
12.02
